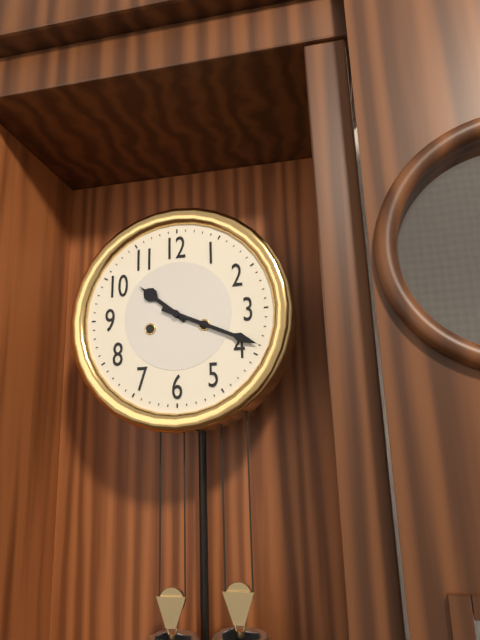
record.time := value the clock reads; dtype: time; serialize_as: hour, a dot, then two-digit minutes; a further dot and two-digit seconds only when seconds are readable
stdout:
10.19
